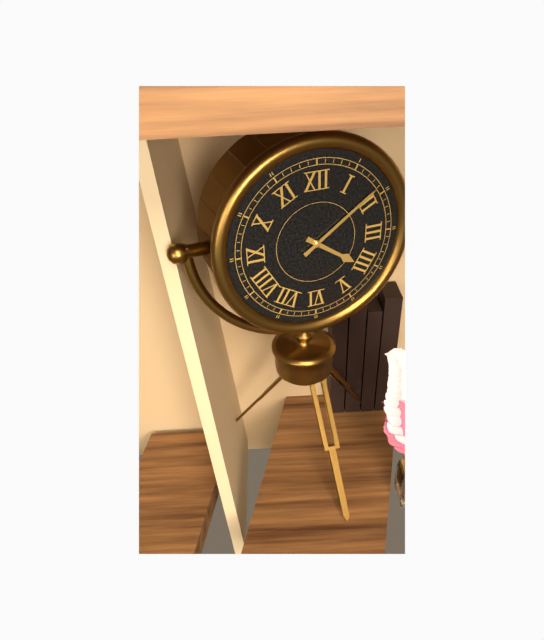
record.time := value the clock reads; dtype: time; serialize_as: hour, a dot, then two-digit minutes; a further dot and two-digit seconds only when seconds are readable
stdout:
4.09
